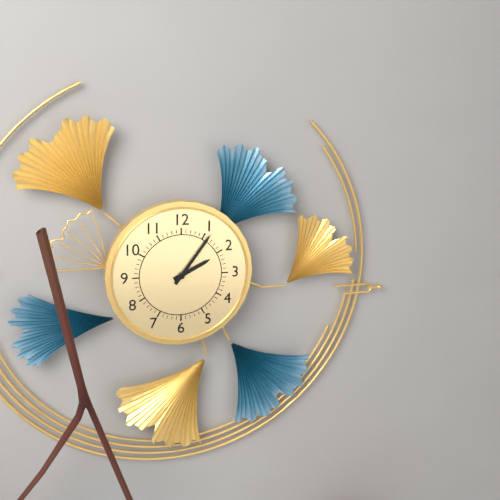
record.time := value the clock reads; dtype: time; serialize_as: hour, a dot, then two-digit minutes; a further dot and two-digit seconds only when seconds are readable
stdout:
2.06
